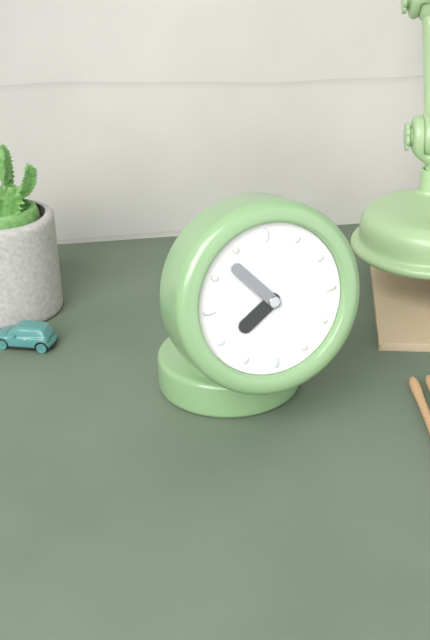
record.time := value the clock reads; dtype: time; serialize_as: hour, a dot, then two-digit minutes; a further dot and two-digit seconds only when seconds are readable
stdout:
7.53
